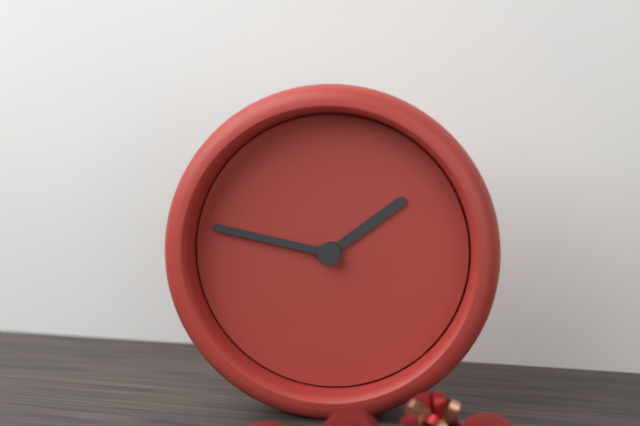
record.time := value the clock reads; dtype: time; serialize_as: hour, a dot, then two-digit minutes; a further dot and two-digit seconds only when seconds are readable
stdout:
1.47
